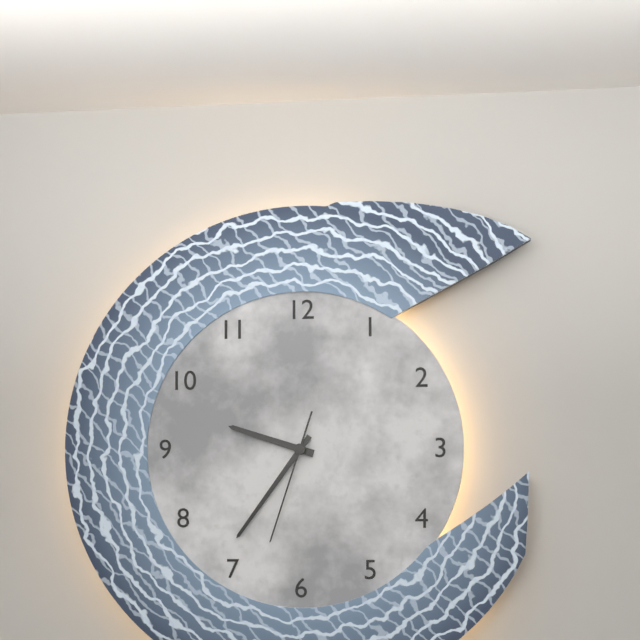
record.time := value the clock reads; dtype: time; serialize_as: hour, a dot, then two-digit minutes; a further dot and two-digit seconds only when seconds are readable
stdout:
9.36.33
